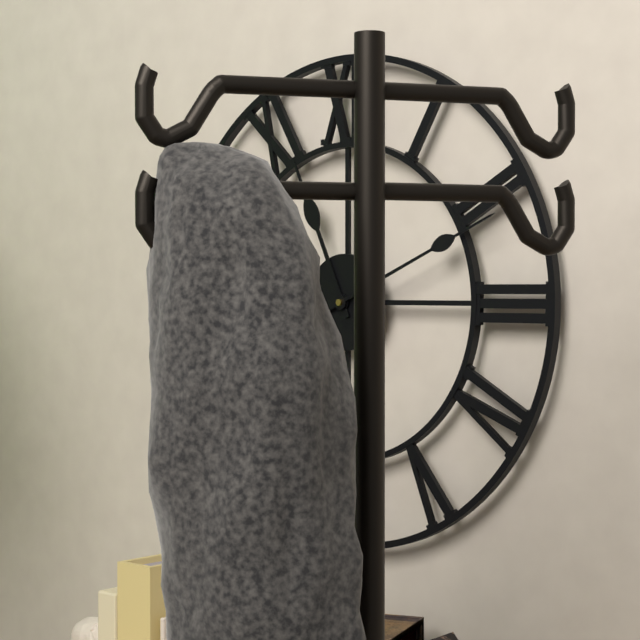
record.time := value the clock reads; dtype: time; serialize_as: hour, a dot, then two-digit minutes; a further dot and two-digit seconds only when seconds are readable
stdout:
11.11
